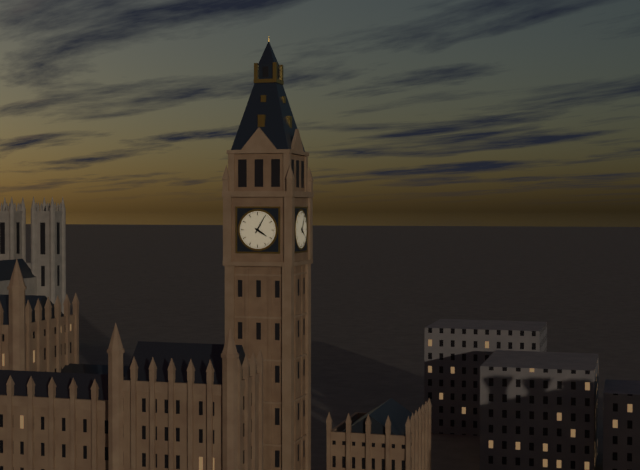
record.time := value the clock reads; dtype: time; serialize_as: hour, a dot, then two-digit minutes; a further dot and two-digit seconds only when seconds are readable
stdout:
4.05
